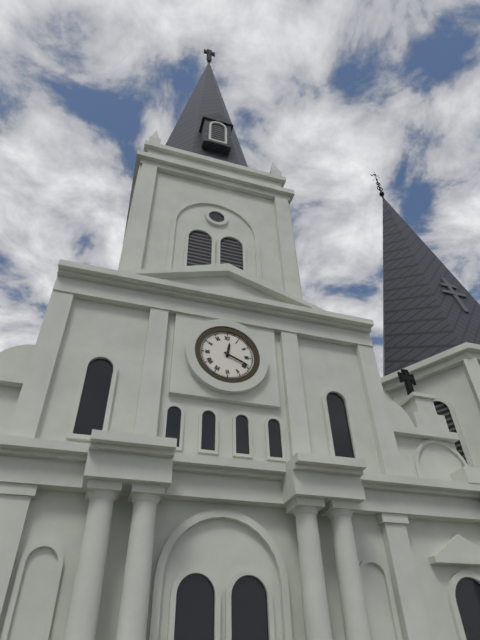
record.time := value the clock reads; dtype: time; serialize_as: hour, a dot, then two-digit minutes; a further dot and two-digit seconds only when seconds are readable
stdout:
12.19
